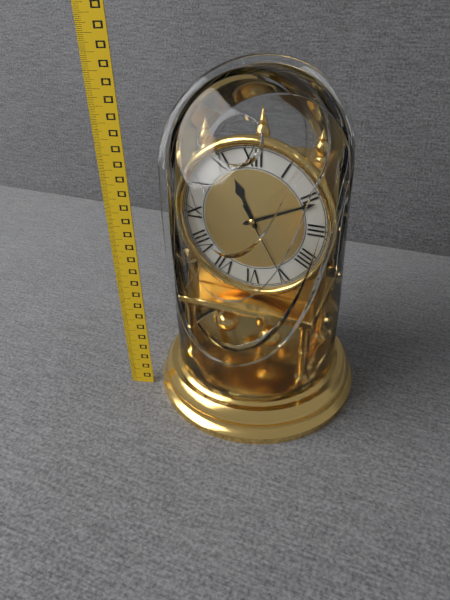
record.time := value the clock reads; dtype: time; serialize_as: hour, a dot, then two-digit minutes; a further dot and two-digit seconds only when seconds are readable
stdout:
11.11.25
